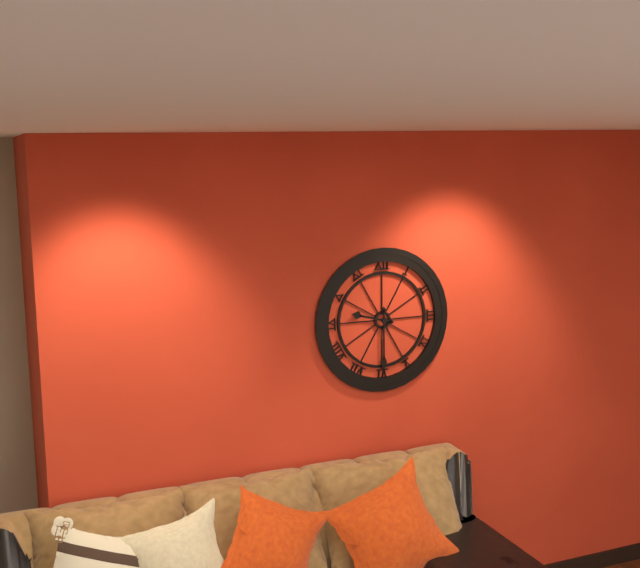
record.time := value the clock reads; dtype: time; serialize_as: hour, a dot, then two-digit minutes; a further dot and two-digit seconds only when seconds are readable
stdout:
9.30
